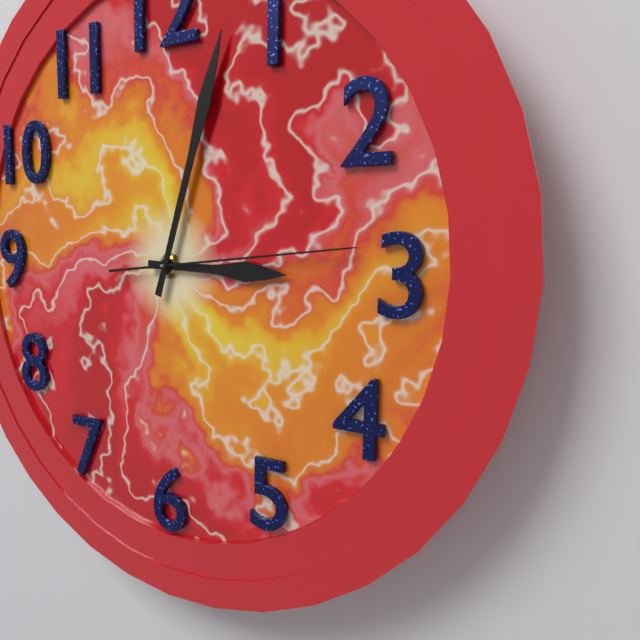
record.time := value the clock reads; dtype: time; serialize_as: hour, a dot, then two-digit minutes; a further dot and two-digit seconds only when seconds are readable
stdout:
3.03.14
